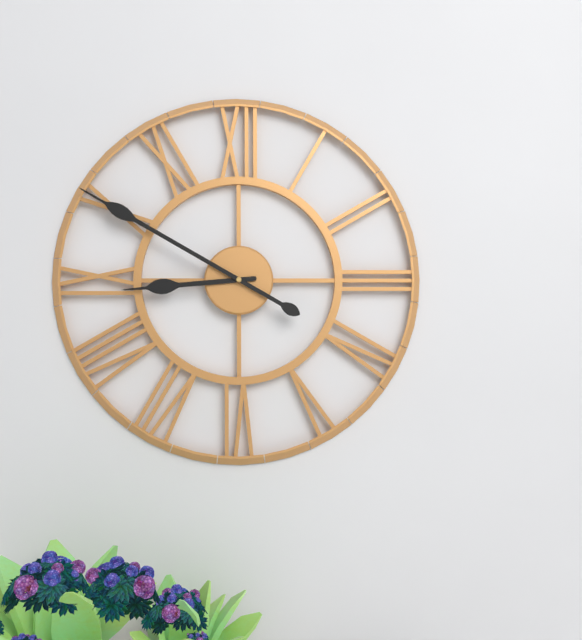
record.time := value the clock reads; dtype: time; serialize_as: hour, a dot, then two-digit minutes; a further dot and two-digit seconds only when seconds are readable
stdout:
8.50
